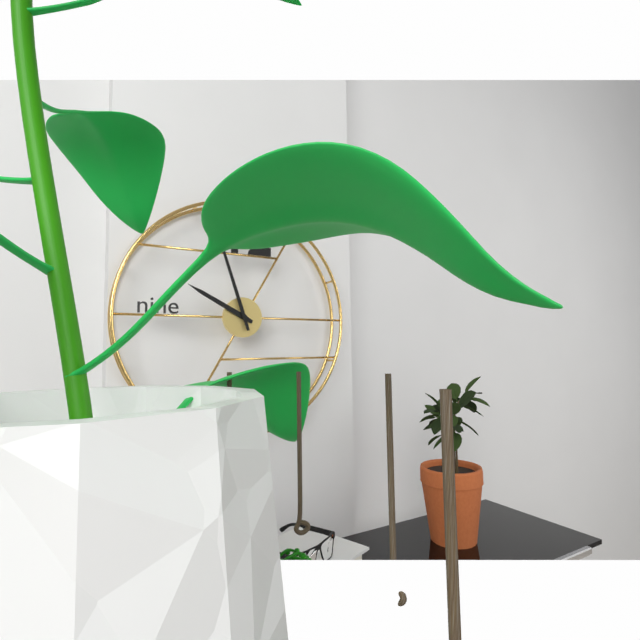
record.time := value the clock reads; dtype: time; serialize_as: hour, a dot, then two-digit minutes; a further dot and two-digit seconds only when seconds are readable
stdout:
9.57
